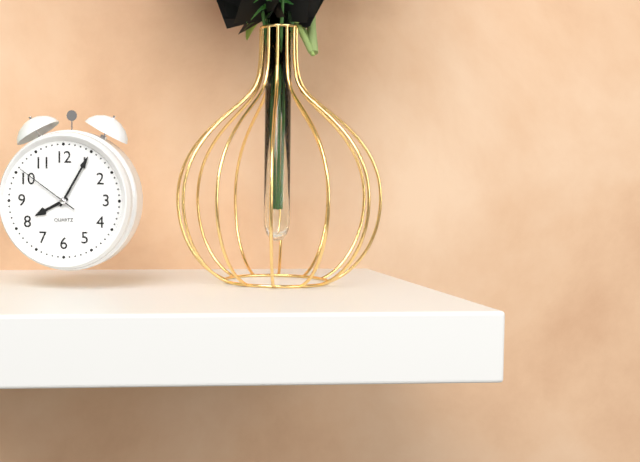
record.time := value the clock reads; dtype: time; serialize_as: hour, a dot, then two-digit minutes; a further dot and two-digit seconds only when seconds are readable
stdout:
8.05.51
